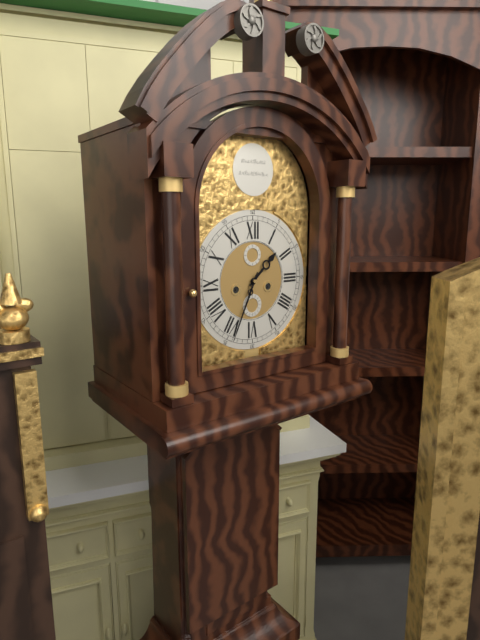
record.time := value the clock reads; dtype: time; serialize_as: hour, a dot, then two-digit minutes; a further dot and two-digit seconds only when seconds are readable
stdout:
1.34
